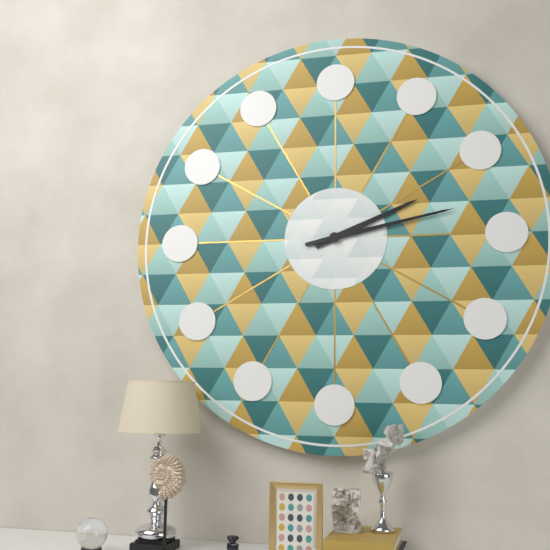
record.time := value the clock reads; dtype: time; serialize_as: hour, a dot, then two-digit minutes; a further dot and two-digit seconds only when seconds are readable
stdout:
2.13
